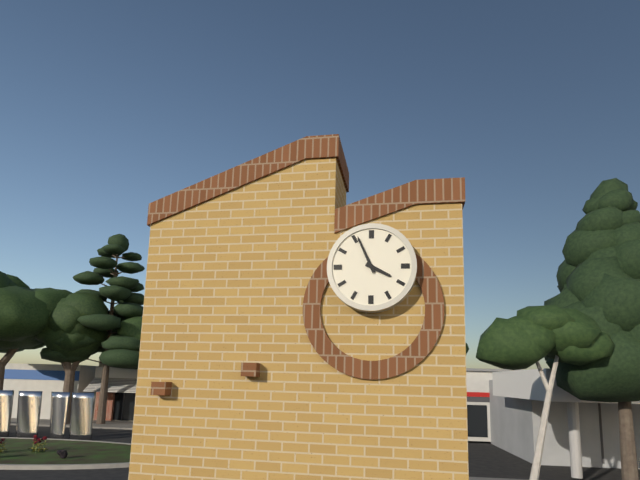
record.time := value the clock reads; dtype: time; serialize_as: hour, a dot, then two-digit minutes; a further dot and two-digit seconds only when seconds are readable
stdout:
3.56
